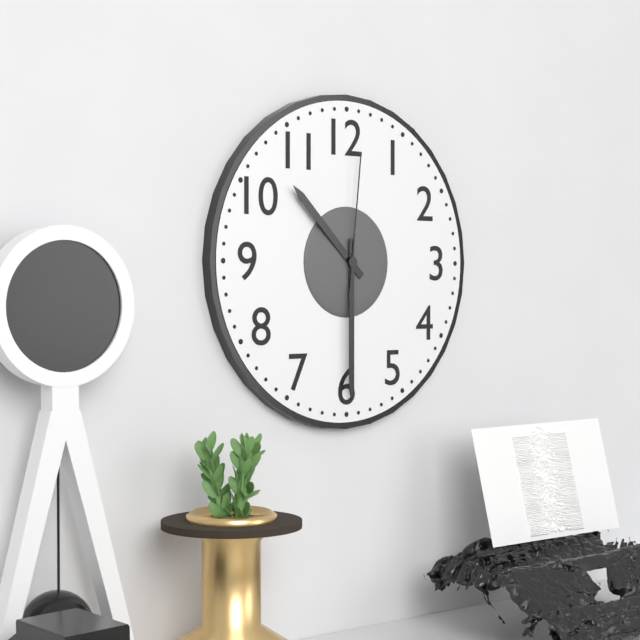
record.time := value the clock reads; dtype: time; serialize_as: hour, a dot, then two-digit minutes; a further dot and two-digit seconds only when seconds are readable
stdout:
10.30.01
